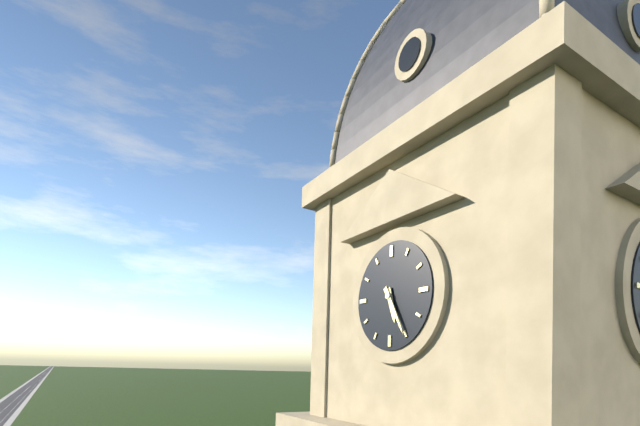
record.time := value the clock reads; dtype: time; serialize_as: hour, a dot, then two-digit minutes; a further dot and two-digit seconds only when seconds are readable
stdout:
5.25
